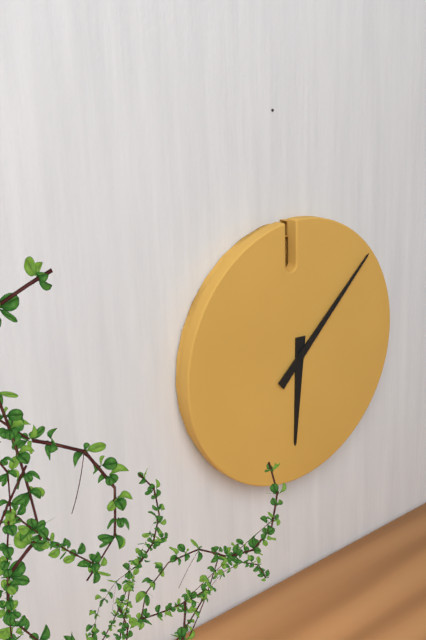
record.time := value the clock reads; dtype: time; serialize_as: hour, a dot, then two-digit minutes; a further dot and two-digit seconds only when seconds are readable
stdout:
6.08
